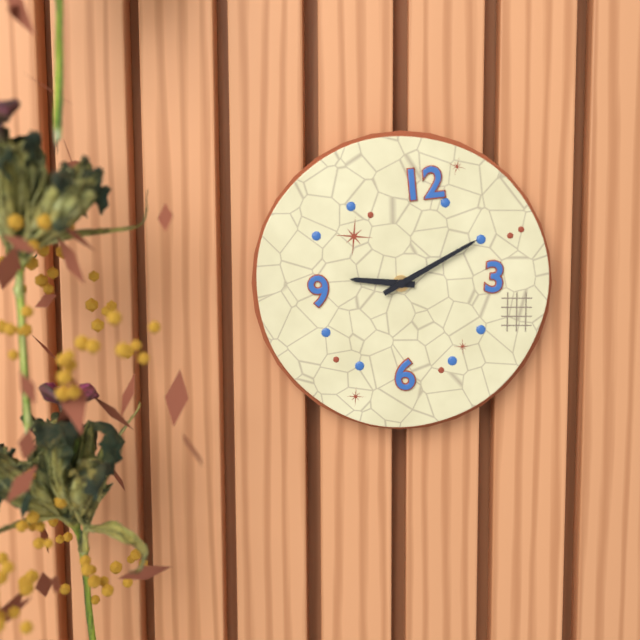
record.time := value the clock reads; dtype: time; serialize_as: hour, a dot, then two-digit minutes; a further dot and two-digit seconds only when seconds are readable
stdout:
9.10
